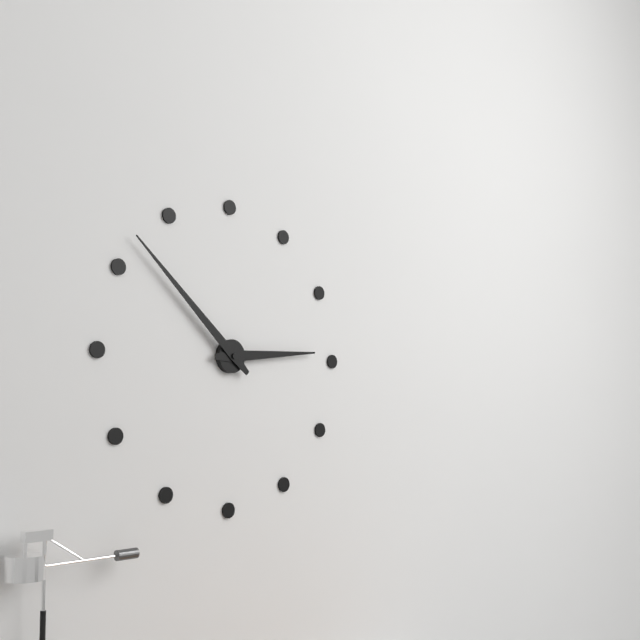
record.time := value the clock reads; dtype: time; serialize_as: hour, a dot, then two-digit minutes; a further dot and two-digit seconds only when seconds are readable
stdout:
2.52
